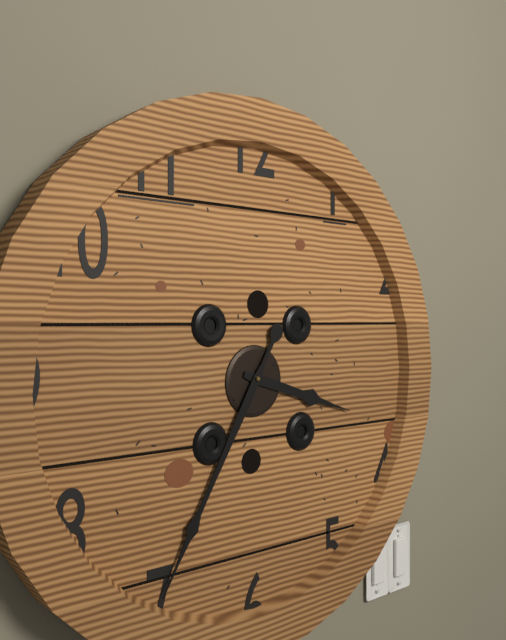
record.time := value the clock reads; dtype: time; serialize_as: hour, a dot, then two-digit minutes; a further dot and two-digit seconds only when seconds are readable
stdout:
3.35
